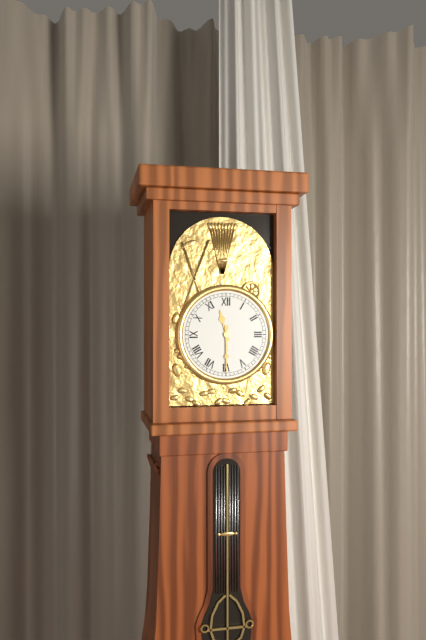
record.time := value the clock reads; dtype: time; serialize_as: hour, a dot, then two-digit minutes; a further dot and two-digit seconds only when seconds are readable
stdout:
11.30
